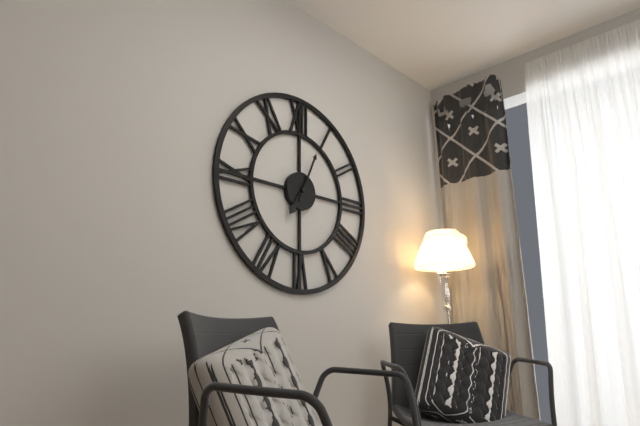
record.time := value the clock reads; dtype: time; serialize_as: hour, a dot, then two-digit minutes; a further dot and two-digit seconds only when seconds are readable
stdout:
7.04
